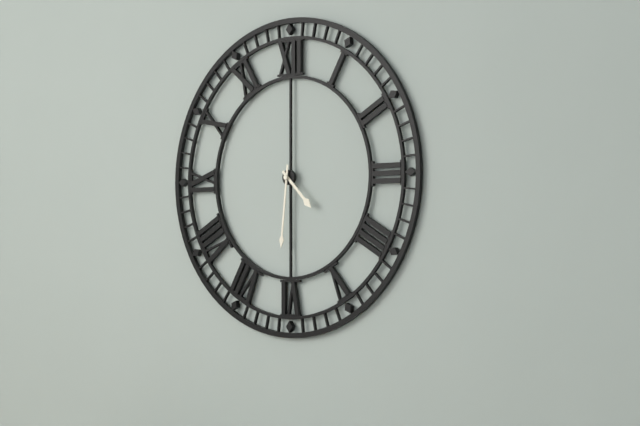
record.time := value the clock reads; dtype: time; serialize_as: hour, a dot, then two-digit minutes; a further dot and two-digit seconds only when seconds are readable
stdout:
4.31
